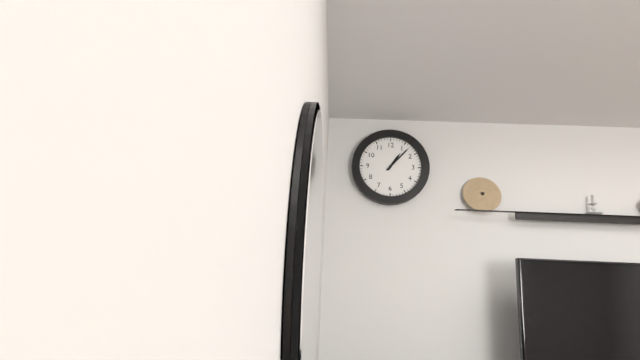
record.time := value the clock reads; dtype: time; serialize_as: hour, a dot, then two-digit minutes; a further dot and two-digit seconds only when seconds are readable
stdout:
1.07
